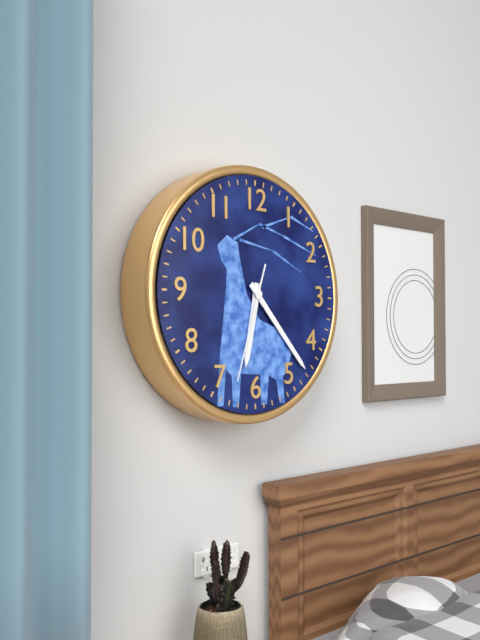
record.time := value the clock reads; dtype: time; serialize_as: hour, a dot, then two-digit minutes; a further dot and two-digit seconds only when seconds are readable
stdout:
6.23.33
